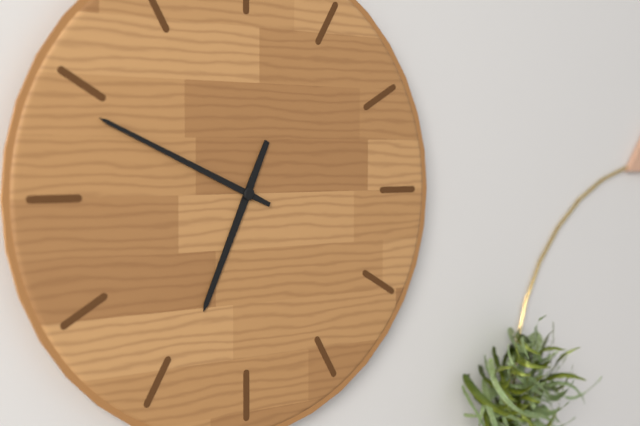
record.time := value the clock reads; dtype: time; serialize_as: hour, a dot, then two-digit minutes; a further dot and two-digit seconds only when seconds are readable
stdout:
6.49
